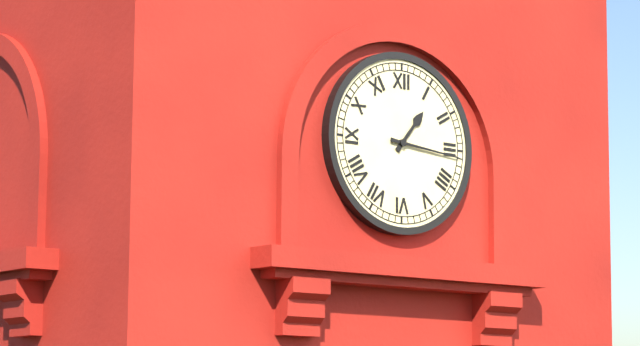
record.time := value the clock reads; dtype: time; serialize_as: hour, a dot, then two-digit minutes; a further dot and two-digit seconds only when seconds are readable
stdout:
1.16
